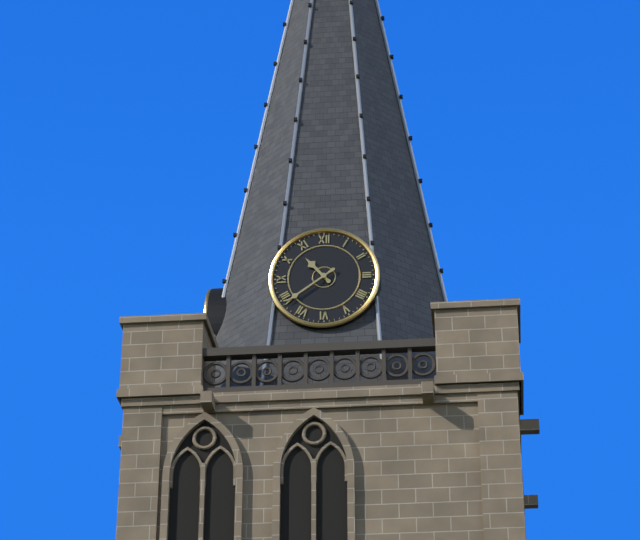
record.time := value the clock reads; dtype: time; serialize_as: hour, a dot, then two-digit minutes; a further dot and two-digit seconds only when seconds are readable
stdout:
10.39
